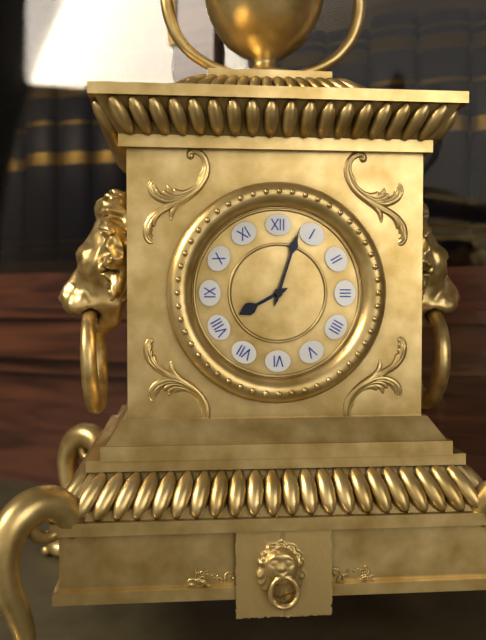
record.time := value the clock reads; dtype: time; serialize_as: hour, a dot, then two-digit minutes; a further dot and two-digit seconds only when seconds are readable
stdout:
8.03
